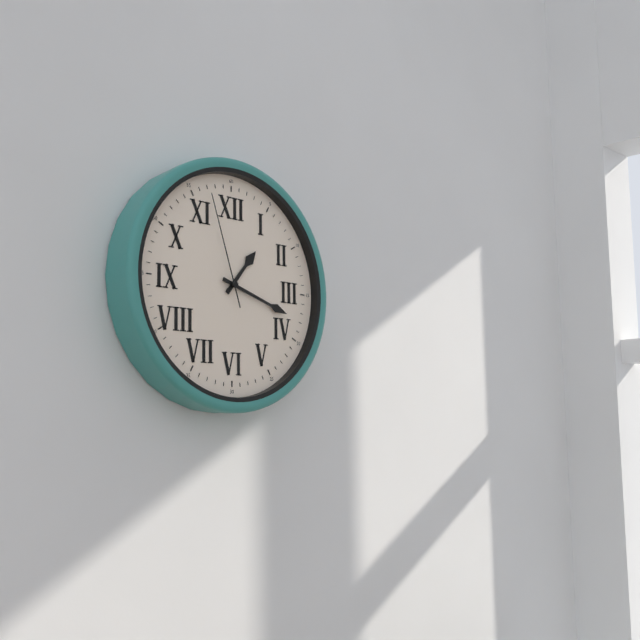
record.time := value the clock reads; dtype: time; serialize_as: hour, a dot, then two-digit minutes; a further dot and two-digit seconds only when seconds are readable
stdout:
1.18.57
